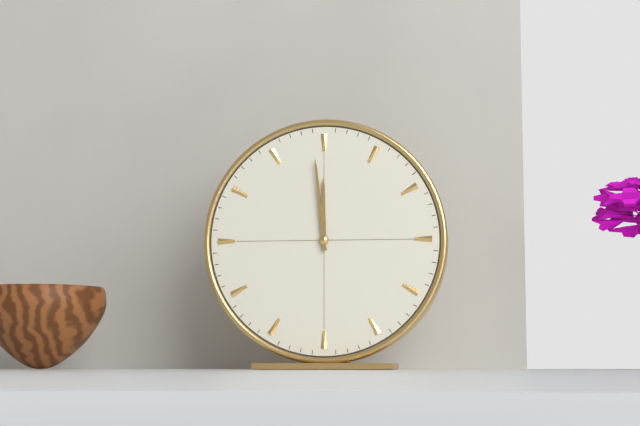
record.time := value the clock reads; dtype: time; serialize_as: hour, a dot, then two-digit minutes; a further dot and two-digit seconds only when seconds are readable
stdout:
11.59
